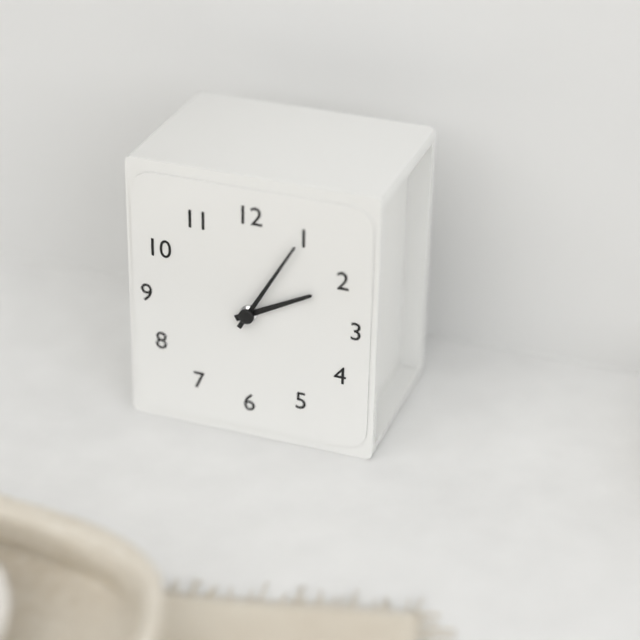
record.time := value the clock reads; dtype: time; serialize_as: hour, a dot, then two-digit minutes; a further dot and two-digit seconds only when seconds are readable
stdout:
2.05
